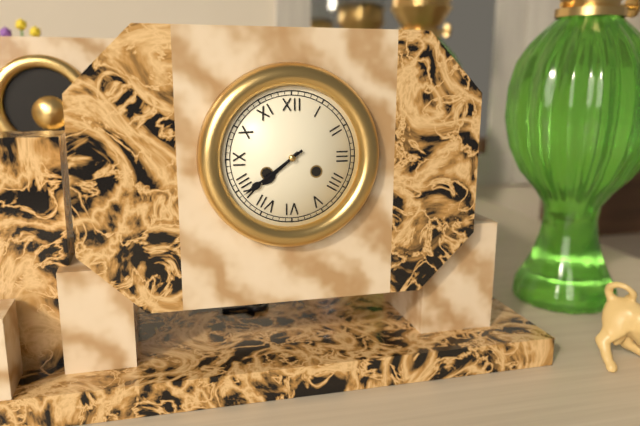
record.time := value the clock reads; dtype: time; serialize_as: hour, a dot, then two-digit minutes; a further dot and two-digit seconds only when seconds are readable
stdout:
7.39
